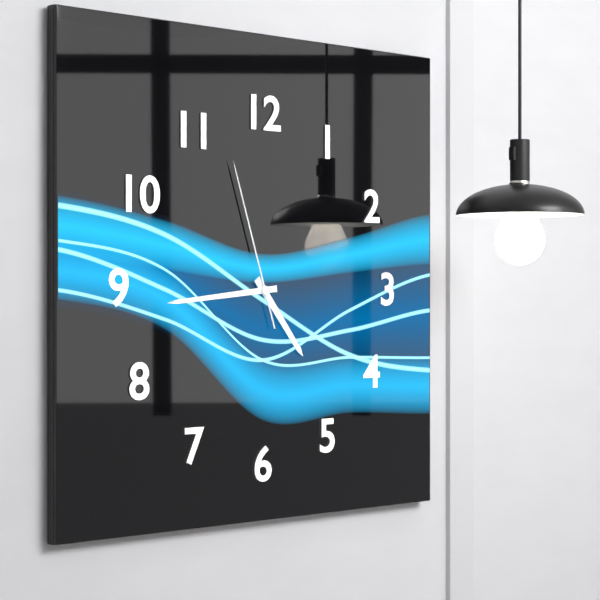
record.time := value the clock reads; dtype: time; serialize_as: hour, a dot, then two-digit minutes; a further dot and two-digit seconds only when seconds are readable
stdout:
4.44.57
